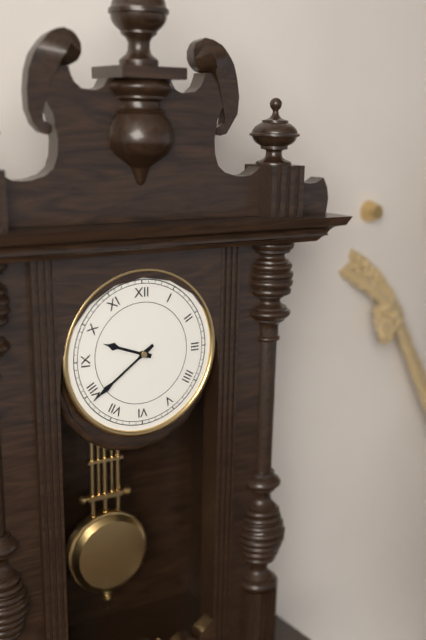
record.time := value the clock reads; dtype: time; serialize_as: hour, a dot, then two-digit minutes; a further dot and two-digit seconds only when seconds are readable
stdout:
9.39
